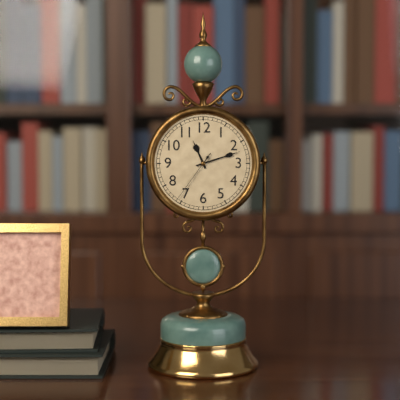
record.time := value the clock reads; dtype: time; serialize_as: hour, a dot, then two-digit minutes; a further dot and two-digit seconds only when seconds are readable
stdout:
11.12.36
